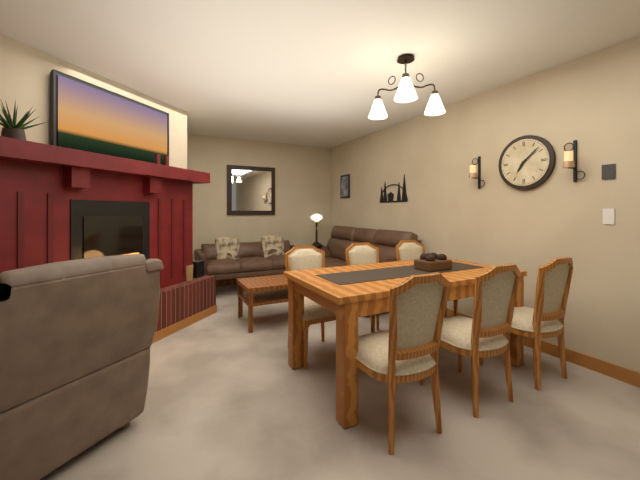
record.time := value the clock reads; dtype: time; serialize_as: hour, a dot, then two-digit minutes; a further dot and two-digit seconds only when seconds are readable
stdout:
7.08
